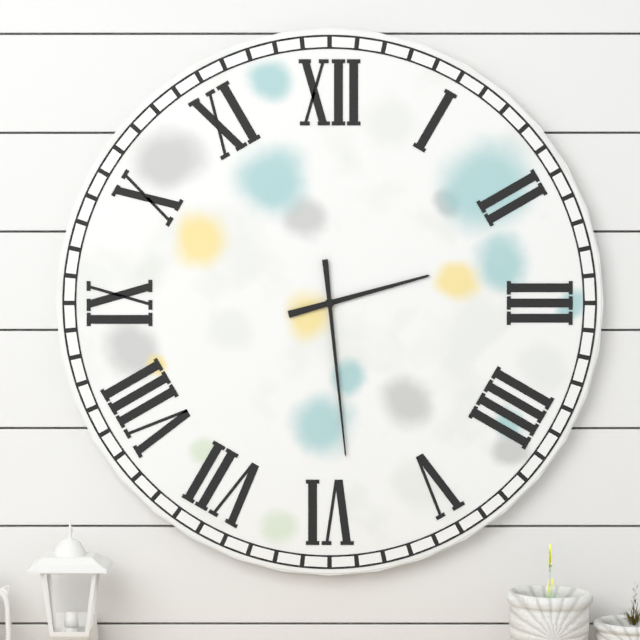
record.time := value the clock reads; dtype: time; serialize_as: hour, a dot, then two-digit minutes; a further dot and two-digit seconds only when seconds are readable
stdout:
2.29
